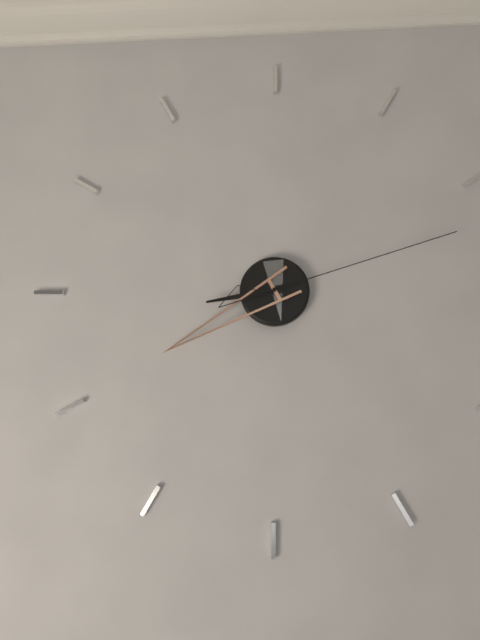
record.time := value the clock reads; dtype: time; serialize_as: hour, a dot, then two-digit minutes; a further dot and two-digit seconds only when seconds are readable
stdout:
8.40.12
